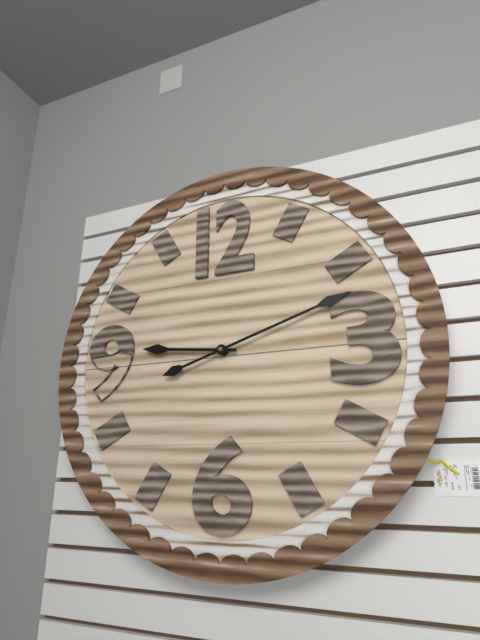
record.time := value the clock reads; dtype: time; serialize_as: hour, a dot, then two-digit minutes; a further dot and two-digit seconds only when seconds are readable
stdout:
9.12
